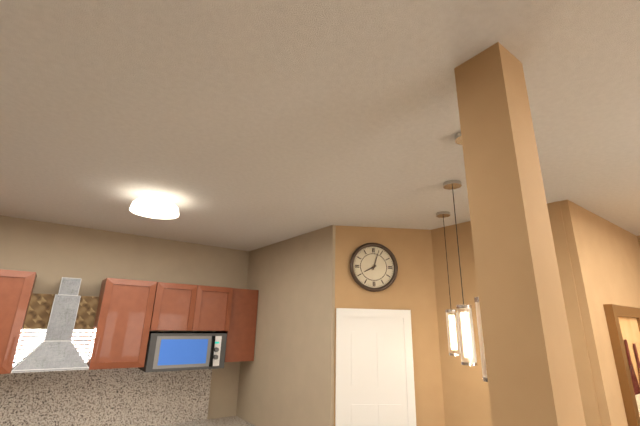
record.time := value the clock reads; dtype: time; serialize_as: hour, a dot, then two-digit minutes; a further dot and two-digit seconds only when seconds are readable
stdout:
8.03
